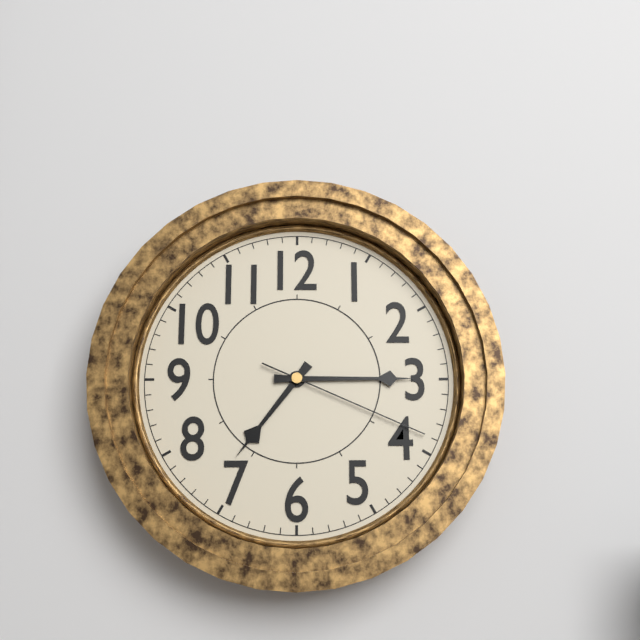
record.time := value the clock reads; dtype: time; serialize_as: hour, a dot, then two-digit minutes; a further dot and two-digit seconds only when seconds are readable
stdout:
7.15.19
